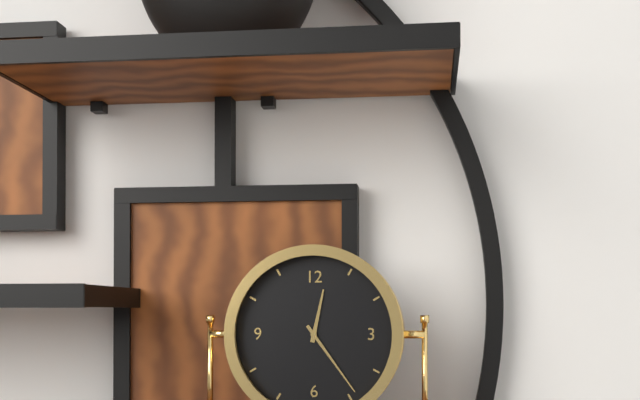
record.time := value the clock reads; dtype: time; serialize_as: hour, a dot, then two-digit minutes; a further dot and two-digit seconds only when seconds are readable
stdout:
12.24
